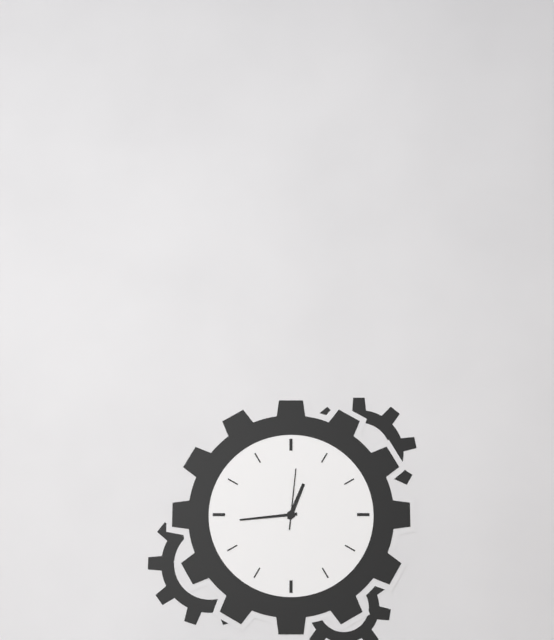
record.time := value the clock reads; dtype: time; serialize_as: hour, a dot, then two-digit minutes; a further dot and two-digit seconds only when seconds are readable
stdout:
12.44.01
